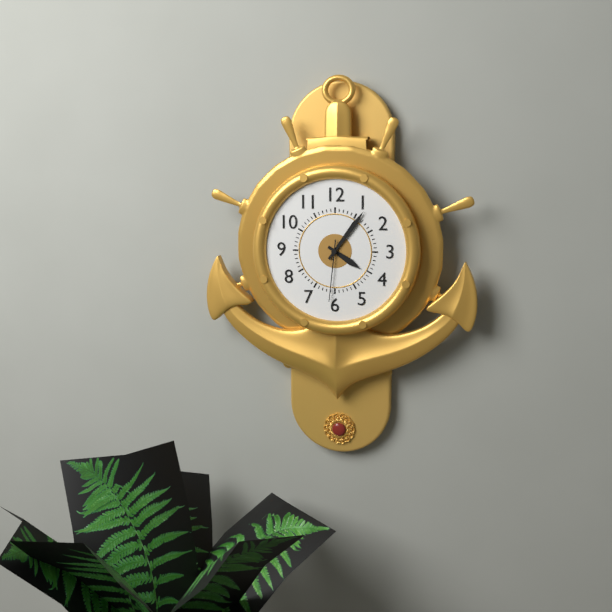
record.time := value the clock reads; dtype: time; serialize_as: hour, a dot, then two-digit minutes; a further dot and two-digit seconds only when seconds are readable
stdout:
4.06.31
